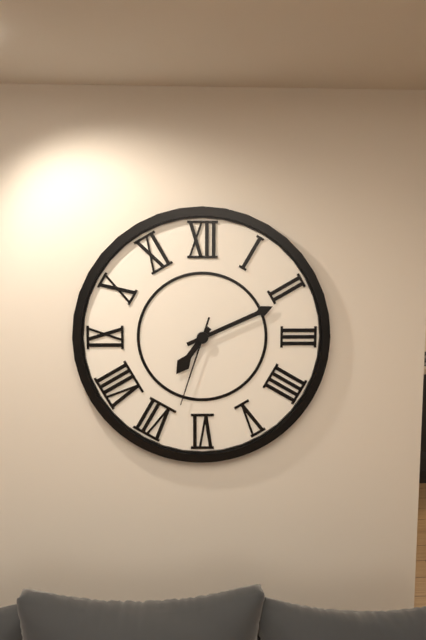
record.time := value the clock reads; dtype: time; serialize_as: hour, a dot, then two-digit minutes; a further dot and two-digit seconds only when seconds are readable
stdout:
7.11.33
